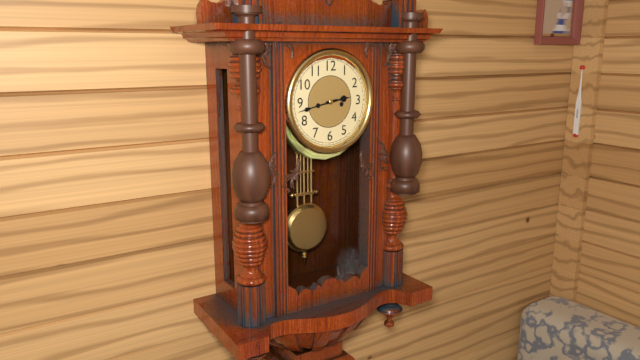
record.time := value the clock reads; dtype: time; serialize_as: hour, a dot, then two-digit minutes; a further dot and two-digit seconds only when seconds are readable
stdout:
2.43
